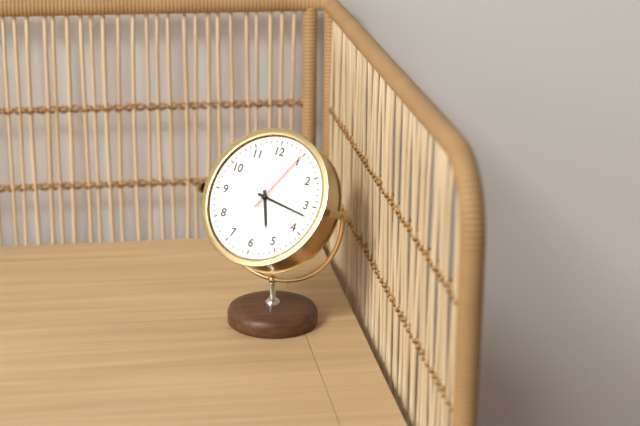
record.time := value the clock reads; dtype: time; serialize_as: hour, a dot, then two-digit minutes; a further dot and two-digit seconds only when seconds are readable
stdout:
5.17.05
